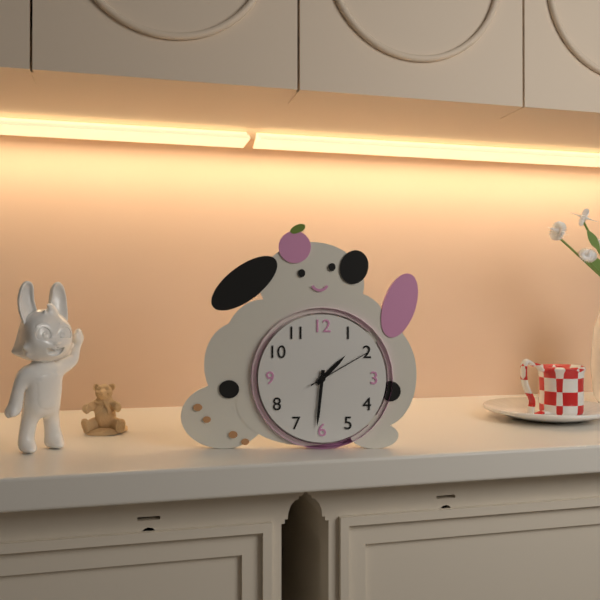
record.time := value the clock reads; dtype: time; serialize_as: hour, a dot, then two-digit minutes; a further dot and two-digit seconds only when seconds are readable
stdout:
1.31.10
